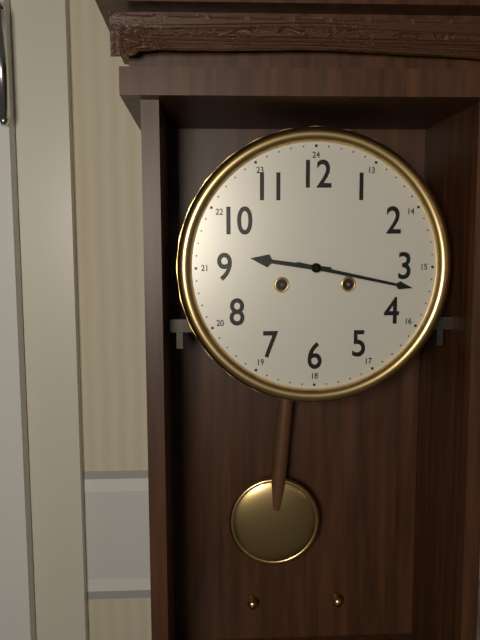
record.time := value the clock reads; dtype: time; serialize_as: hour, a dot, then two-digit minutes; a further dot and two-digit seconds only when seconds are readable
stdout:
9.17
